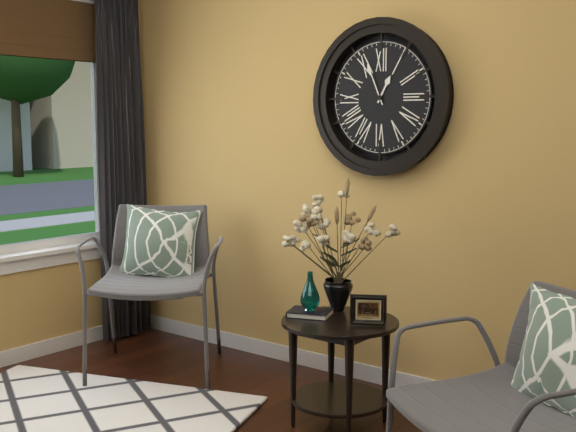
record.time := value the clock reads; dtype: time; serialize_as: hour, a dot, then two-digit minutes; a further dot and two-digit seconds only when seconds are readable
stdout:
12.56
